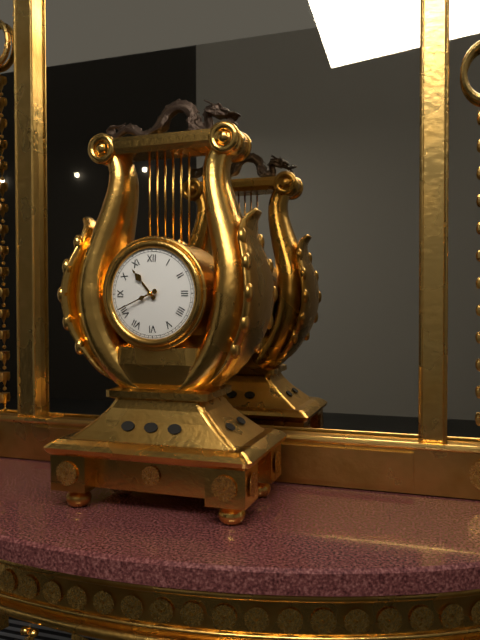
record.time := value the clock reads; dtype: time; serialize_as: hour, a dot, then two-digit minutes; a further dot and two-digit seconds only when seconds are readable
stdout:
10.41
